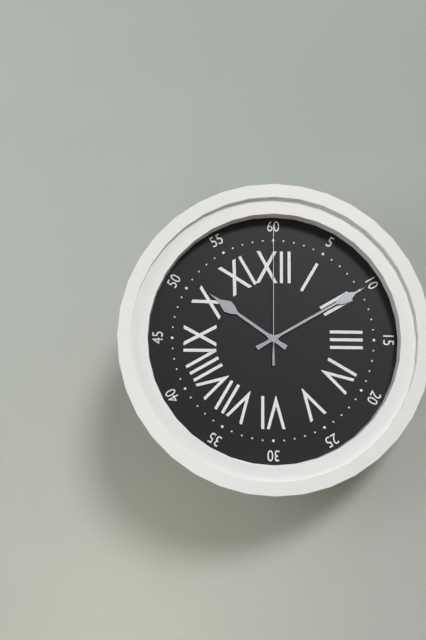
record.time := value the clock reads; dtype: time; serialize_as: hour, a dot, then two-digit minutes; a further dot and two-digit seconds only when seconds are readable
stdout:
10.10.00
